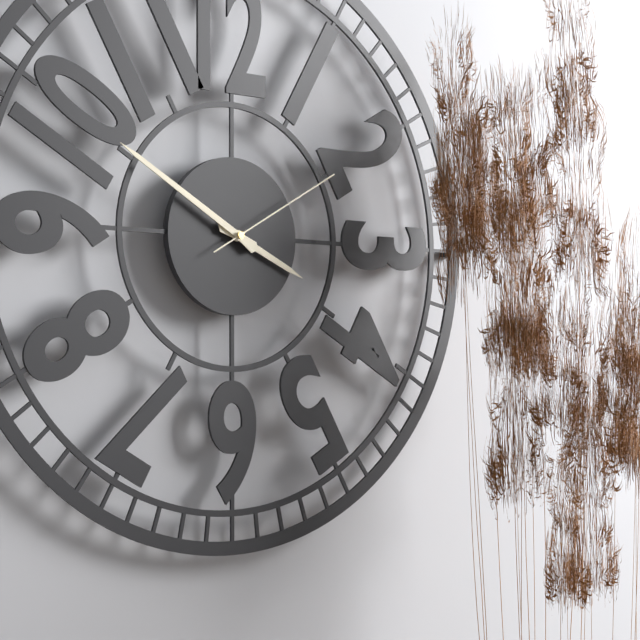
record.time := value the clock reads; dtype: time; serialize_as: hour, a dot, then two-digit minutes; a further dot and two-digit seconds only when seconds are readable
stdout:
3.50.10
